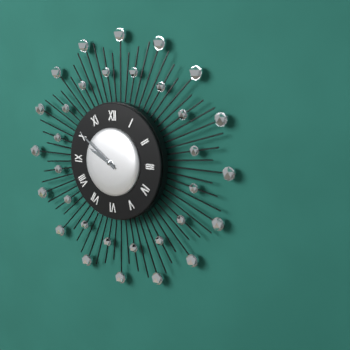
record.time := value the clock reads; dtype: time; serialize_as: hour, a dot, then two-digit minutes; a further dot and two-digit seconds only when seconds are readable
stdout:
9.51
